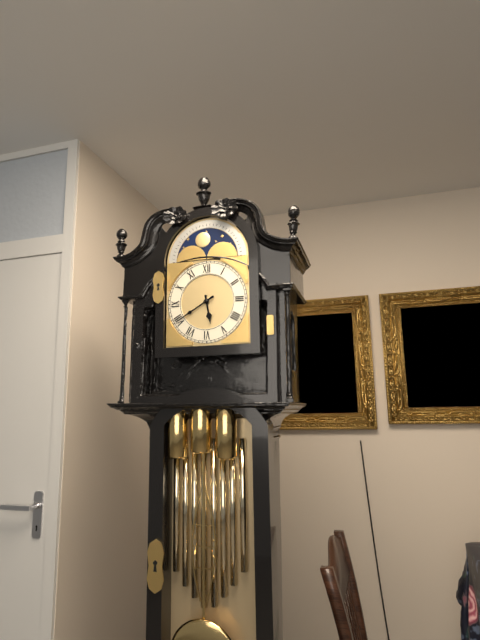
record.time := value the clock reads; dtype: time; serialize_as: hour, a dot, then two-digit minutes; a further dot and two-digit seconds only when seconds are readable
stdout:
5.40
